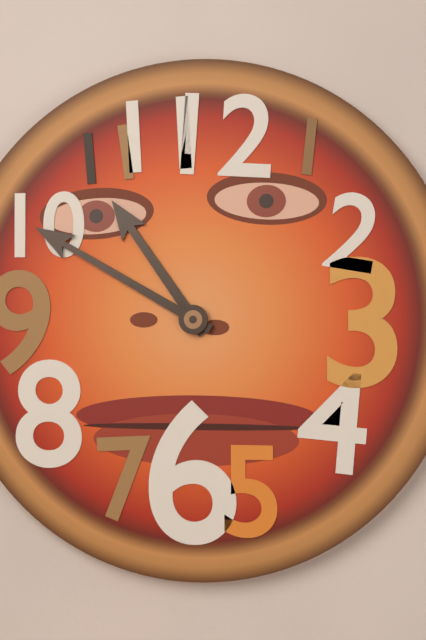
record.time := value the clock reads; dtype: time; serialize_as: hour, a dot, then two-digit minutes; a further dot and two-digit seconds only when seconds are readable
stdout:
10.50
